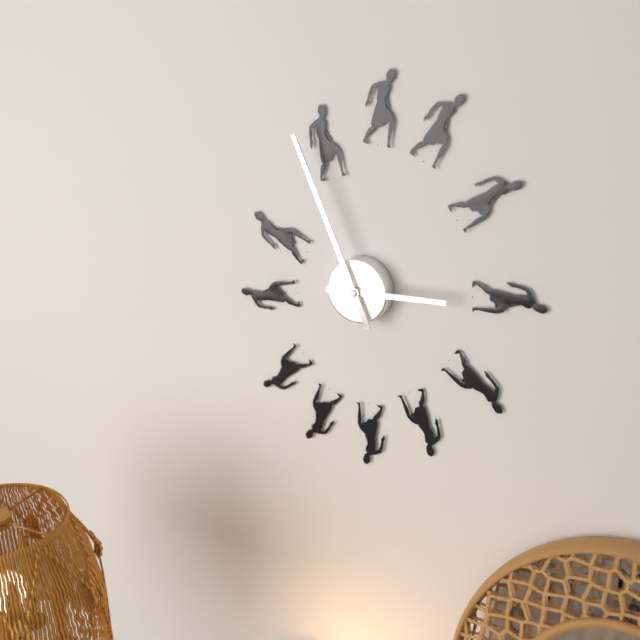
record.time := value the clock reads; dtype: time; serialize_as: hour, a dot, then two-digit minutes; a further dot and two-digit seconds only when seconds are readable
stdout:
2.56
